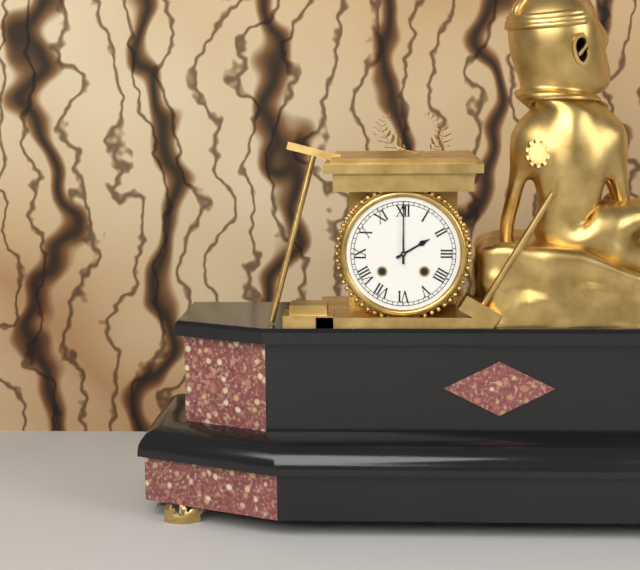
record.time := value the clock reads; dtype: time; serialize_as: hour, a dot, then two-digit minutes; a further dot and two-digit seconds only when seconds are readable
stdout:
2.00
